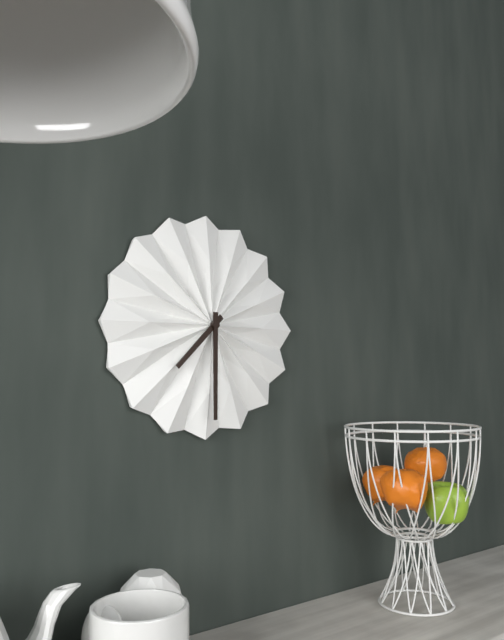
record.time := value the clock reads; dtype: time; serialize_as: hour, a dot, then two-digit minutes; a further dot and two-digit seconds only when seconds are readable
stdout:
7.30
